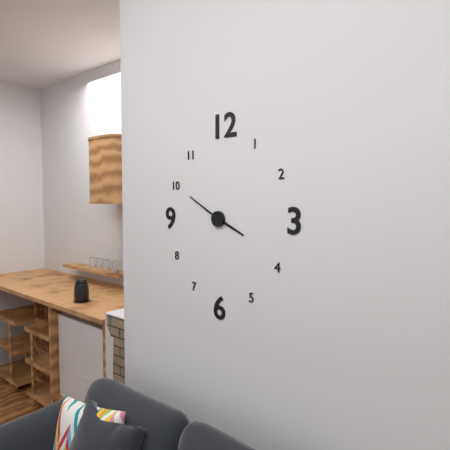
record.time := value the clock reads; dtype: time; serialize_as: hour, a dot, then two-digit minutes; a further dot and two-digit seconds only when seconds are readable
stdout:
3.50
